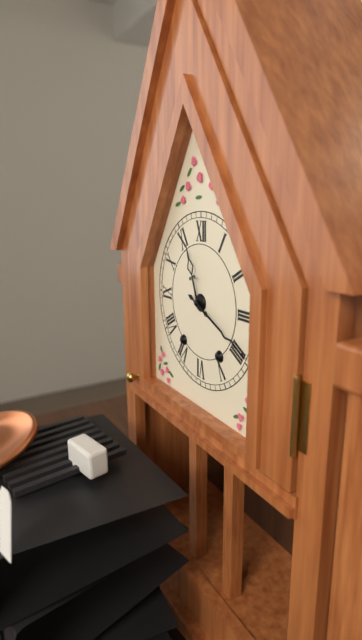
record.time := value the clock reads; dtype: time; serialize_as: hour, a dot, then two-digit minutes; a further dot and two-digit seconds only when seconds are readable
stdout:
11.19
